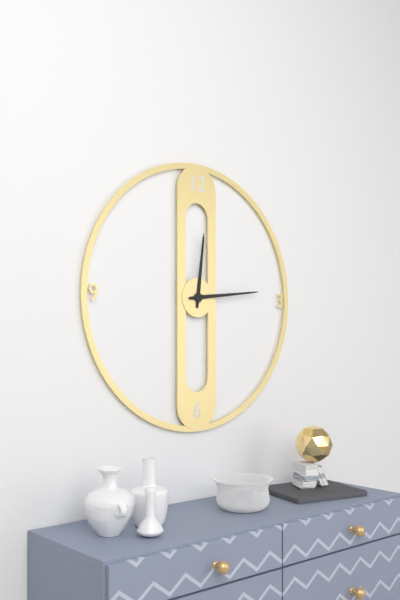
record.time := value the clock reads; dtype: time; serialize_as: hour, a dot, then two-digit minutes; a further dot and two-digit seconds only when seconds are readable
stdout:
12.14
